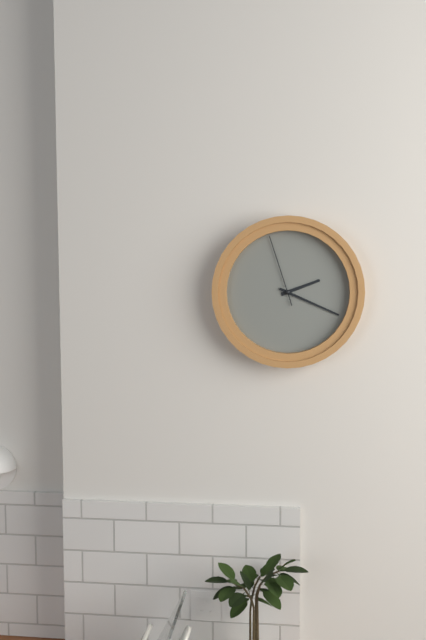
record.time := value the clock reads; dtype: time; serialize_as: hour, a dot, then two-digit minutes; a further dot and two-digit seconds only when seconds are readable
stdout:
2.19.57
